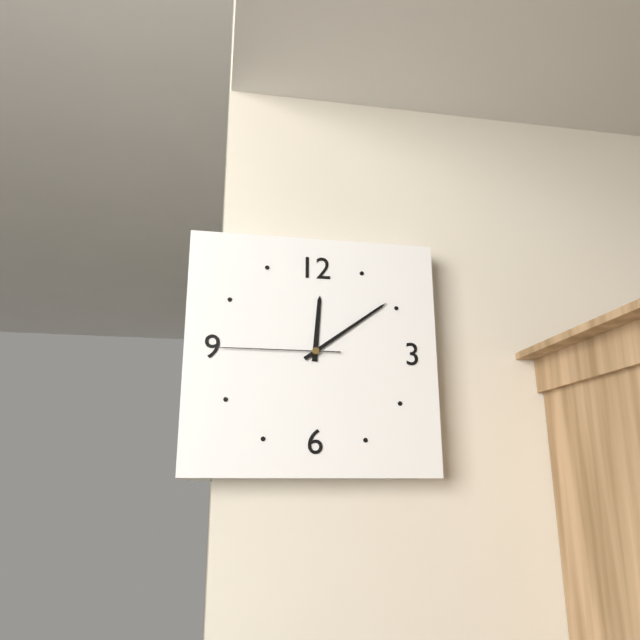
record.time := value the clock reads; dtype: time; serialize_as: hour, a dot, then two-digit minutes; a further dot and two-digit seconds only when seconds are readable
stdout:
12.09.45
